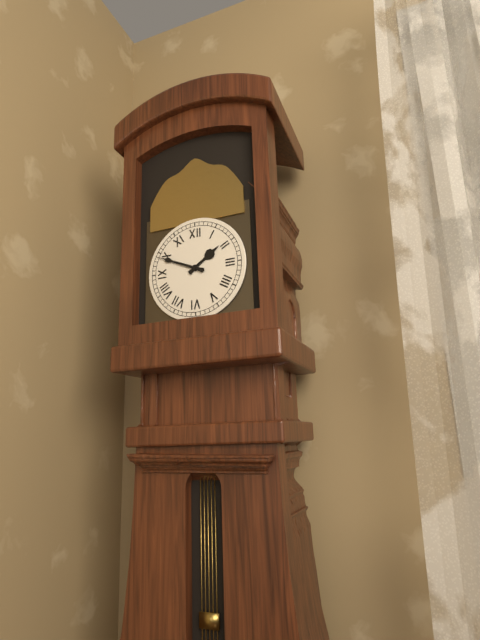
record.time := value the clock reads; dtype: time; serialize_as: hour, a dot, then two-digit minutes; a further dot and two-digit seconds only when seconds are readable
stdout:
1.49
